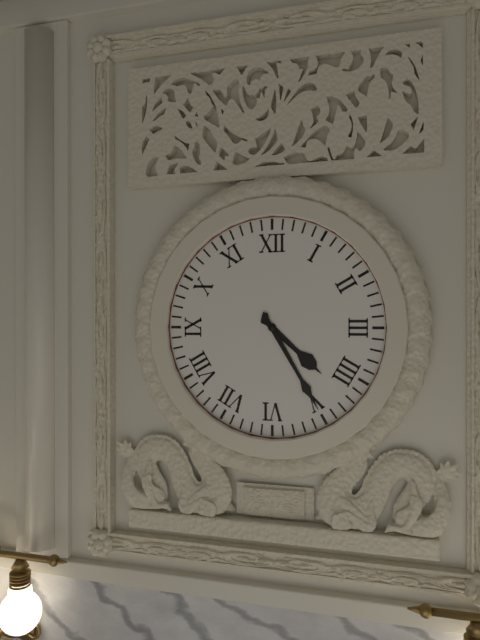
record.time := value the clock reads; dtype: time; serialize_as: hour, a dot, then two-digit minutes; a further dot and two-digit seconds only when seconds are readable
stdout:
4.25
